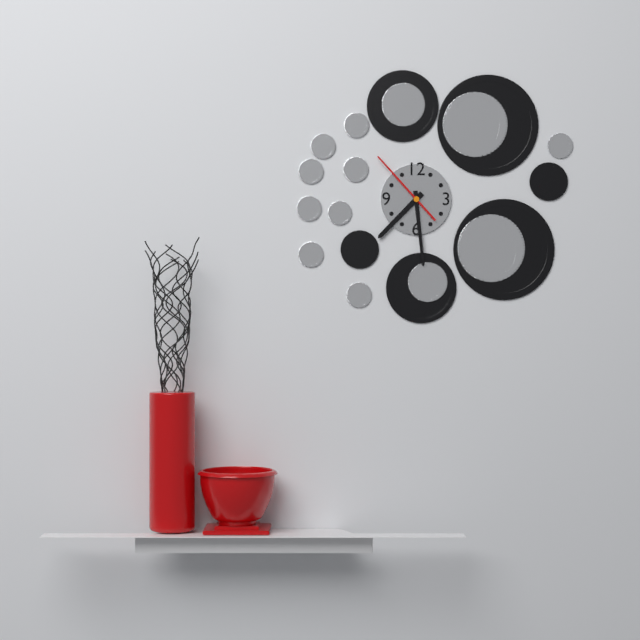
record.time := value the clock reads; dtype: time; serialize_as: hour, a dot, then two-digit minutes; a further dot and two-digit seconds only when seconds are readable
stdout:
7.29.53
